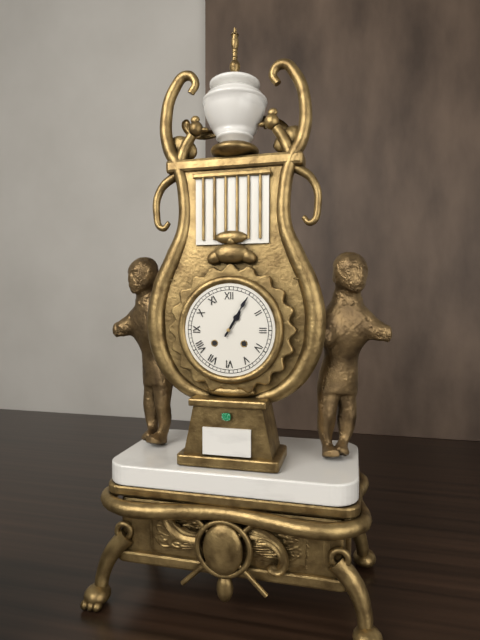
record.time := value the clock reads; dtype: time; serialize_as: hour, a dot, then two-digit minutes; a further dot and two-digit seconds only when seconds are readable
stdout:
1.05
